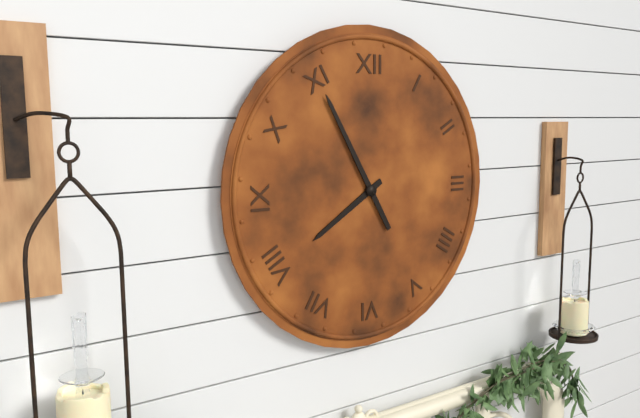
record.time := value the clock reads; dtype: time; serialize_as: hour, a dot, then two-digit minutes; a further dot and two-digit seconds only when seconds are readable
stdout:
7.55
